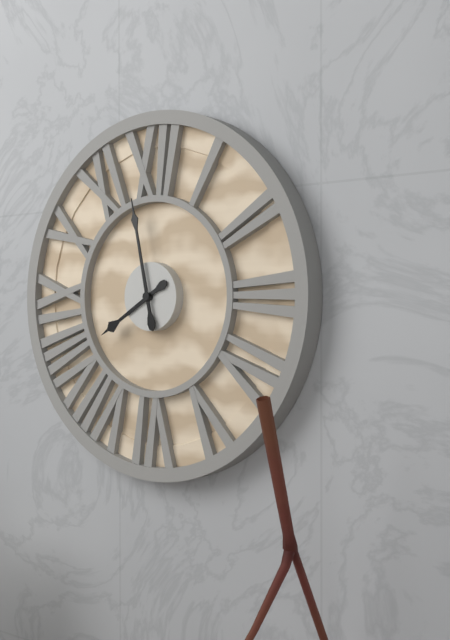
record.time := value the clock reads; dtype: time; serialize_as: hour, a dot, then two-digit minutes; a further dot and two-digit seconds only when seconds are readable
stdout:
7.58
